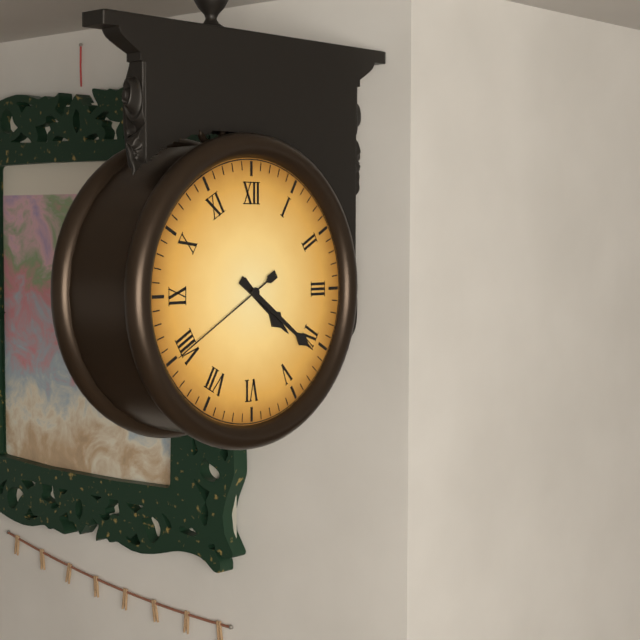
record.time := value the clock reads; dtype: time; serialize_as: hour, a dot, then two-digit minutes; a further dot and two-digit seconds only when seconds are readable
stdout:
4.21.40
